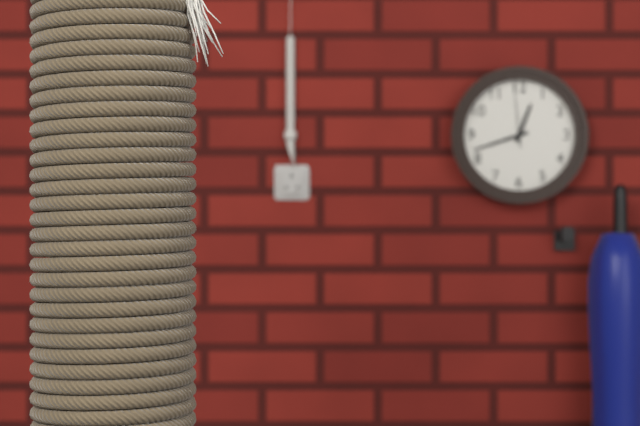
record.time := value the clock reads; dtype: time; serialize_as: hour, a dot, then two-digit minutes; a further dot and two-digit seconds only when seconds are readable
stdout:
12.42.59
